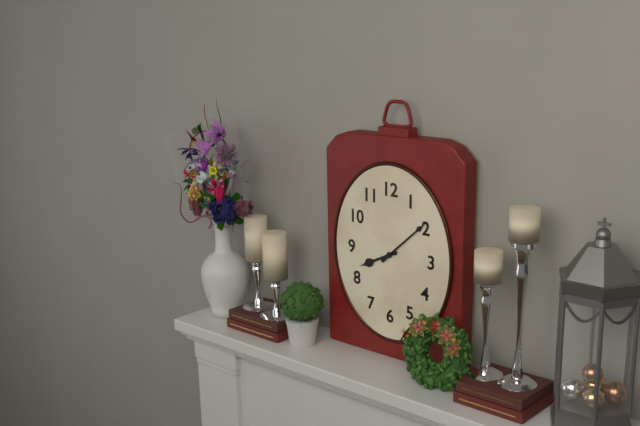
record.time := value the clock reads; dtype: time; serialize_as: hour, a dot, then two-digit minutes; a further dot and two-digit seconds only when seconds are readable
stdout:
8.08
